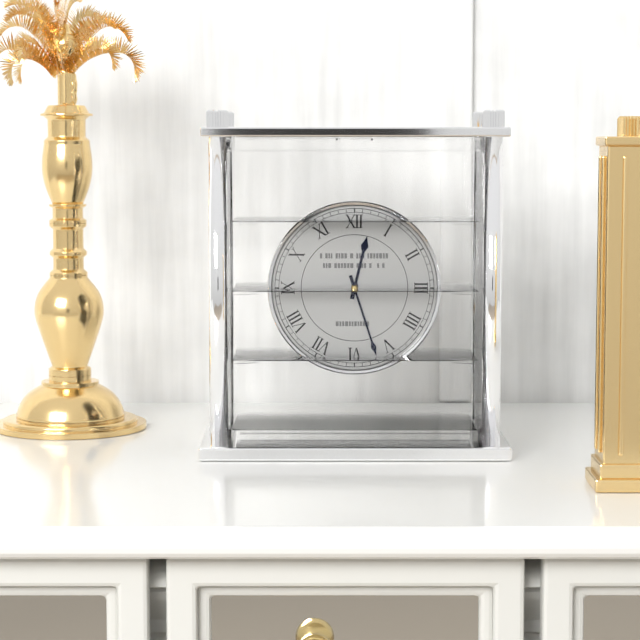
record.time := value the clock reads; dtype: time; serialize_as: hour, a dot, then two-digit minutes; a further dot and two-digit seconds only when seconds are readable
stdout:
12.27
